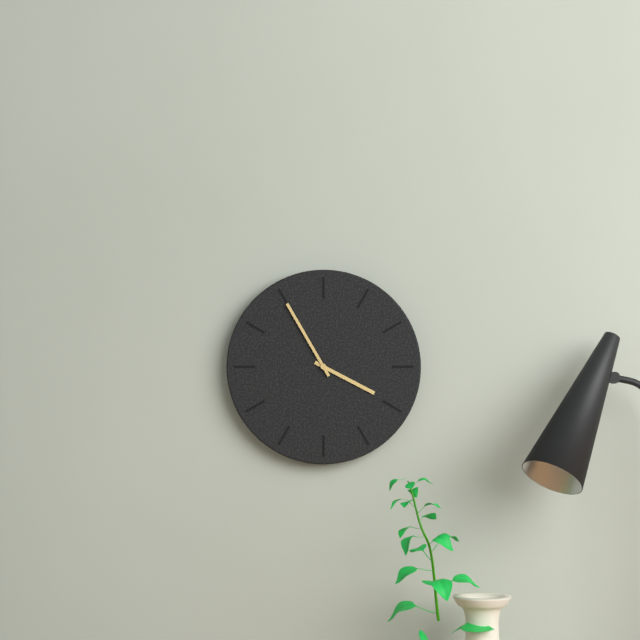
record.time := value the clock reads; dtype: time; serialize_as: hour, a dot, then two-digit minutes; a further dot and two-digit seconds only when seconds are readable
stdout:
3.55
